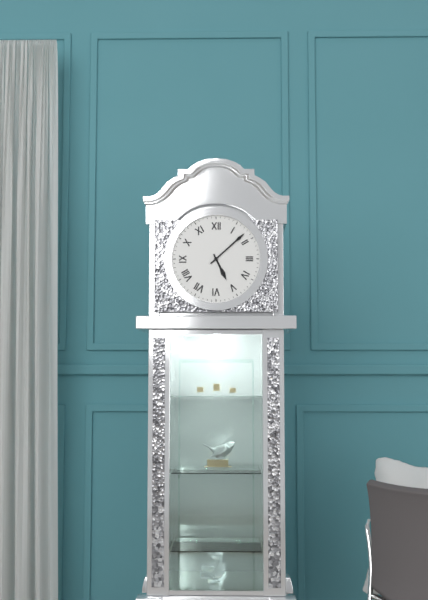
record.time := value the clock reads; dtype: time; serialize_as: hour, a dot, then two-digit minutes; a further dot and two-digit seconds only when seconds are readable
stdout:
5.08
